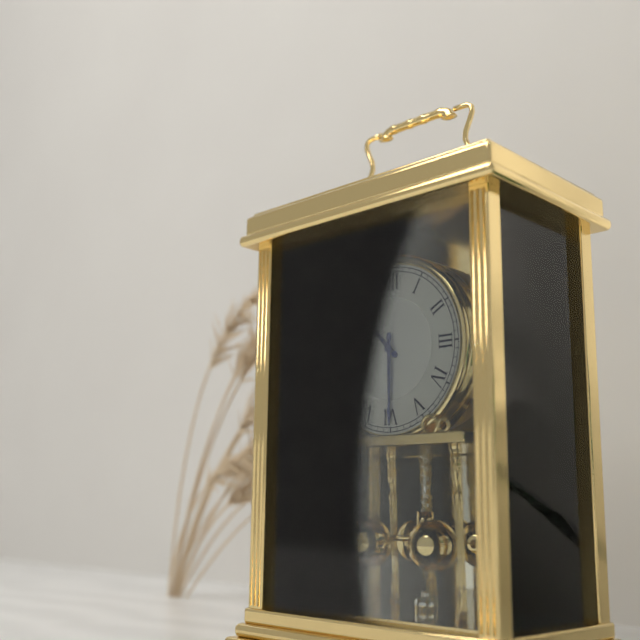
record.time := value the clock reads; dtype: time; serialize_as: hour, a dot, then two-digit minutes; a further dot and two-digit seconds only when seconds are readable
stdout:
10.30
